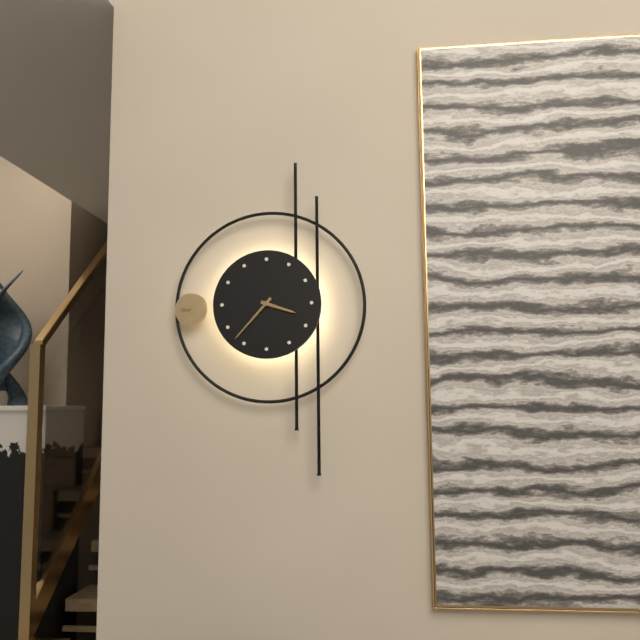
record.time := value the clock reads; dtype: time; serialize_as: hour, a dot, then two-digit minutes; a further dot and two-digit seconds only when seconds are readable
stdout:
3.37
